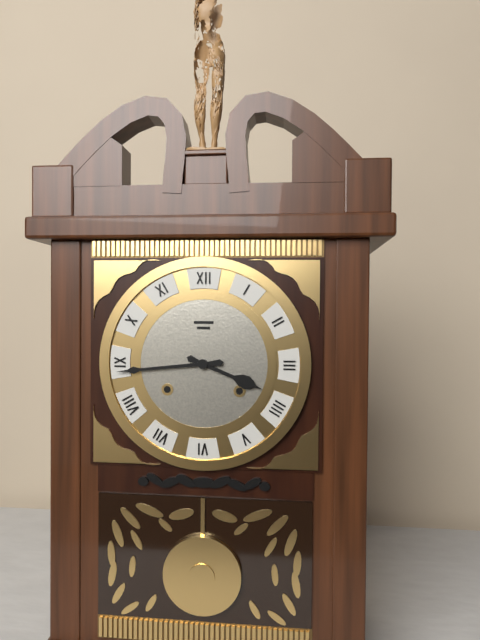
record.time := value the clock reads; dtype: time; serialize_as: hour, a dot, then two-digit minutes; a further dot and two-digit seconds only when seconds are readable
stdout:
3.44
